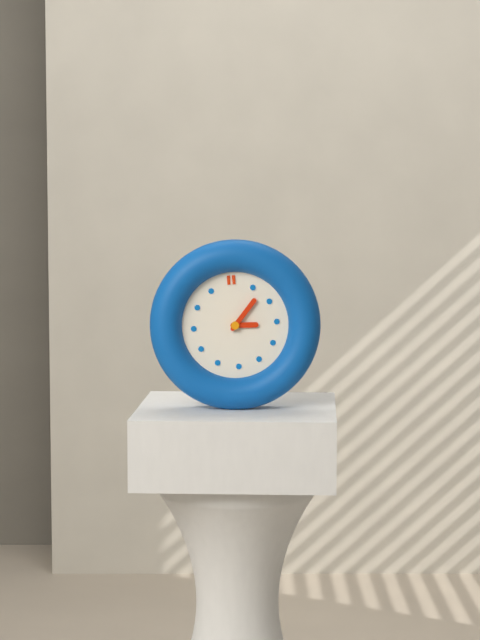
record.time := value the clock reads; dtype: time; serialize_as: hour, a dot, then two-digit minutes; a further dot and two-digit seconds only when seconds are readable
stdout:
3.07
